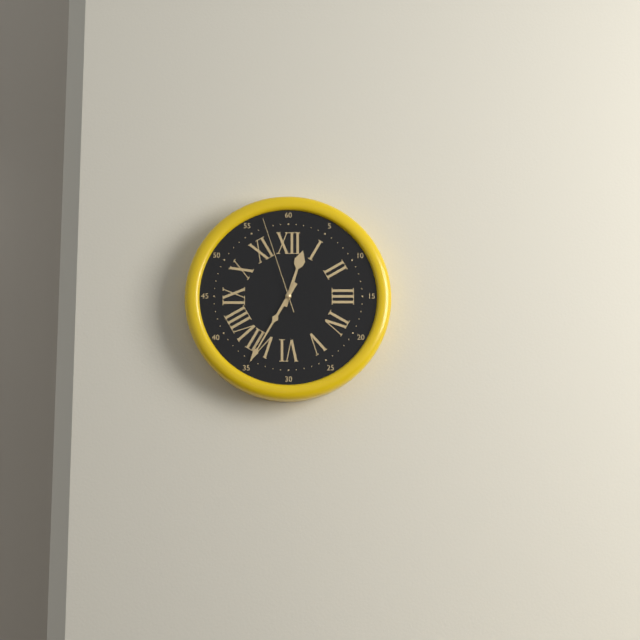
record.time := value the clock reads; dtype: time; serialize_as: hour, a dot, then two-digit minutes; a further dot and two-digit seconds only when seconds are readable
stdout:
12.35.57
